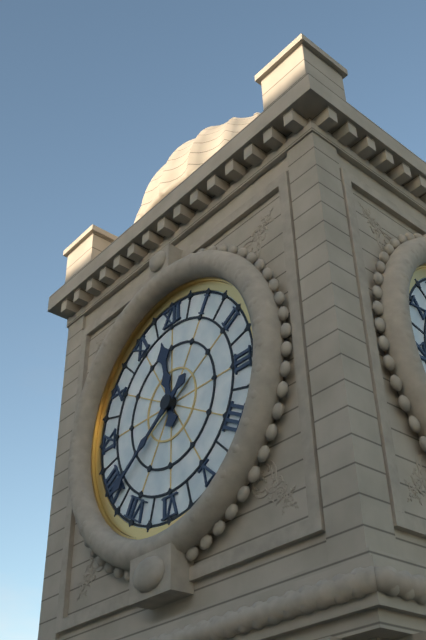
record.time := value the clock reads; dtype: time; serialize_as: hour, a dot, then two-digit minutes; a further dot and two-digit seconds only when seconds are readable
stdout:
11.39
